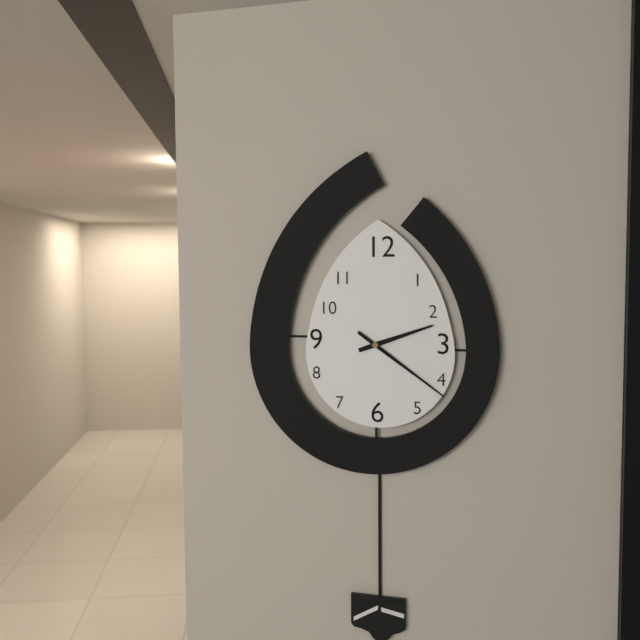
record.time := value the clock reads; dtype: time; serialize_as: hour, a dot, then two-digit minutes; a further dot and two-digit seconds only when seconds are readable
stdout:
2.21
